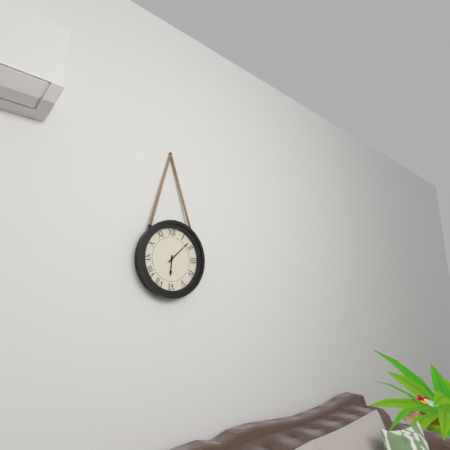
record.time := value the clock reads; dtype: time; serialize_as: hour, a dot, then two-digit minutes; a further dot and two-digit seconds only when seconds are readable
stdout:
6.08
